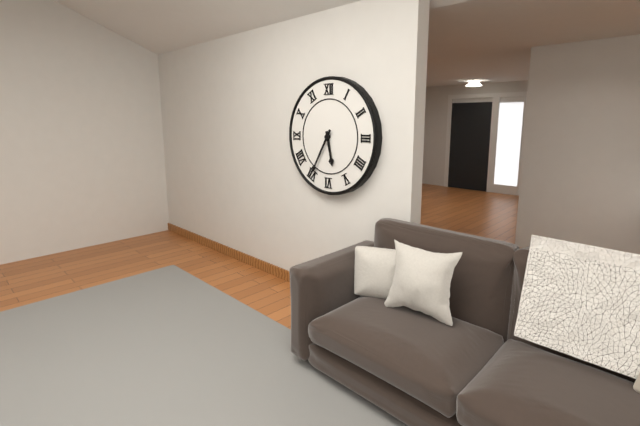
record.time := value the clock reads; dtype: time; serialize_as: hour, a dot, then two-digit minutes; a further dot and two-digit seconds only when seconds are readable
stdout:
5.35
